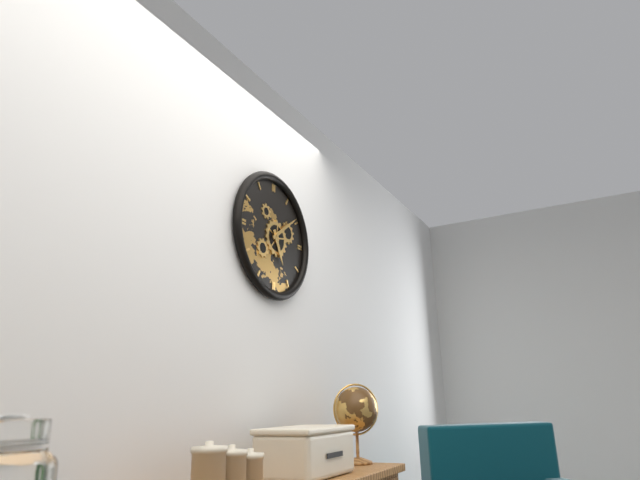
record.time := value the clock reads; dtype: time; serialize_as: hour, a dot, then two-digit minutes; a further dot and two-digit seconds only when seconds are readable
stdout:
5.09
